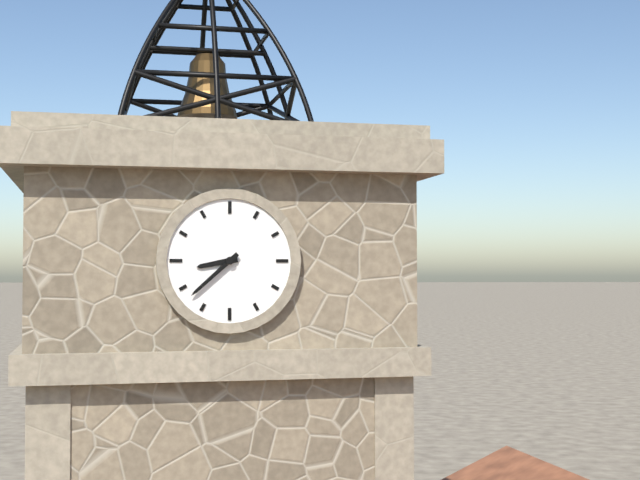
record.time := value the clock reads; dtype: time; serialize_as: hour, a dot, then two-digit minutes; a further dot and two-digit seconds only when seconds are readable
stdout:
8.38
